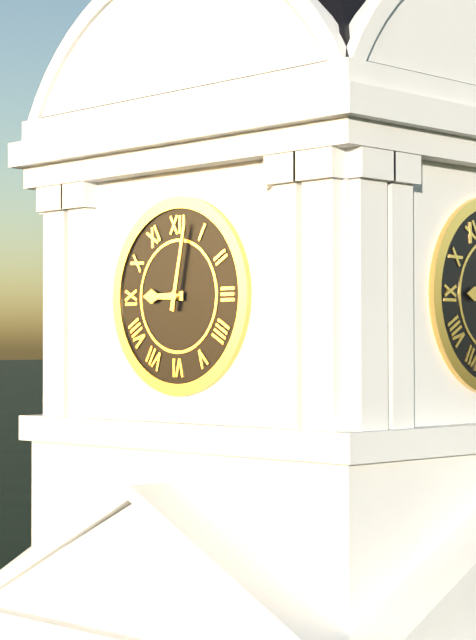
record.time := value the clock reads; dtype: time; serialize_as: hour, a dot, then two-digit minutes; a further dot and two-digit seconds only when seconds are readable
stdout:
9.02
